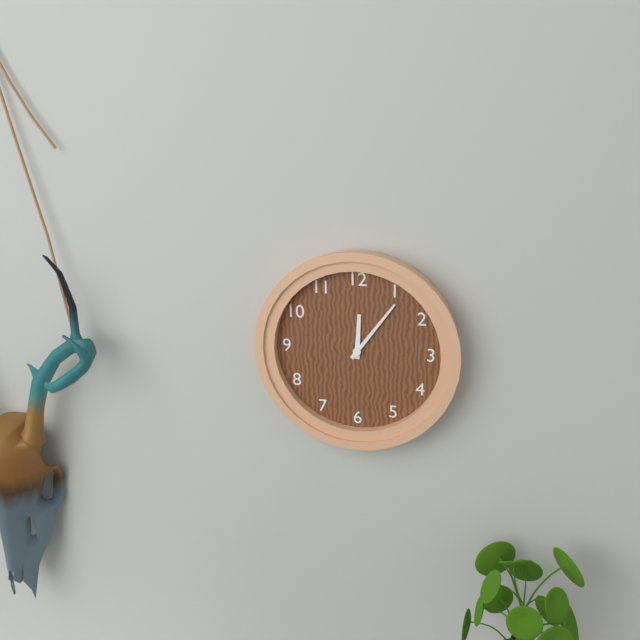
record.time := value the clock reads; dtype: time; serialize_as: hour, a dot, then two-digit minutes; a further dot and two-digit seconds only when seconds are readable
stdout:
12.06
